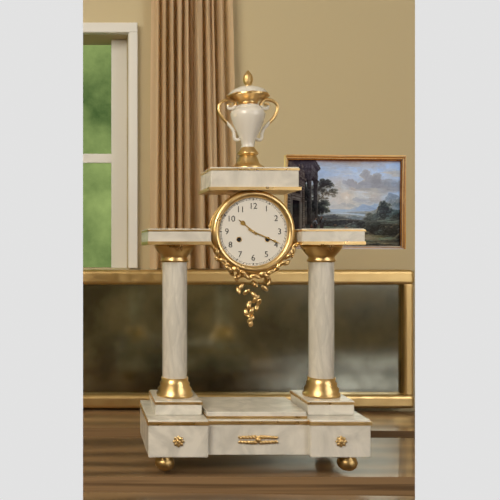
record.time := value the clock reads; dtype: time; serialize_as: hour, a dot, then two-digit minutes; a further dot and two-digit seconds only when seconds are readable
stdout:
10.19
